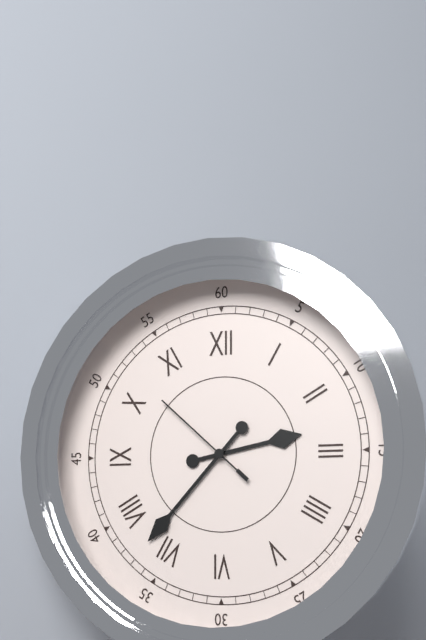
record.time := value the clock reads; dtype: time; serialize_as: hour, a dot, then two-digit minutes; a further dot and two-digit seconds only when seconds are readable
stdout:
2.37.52
